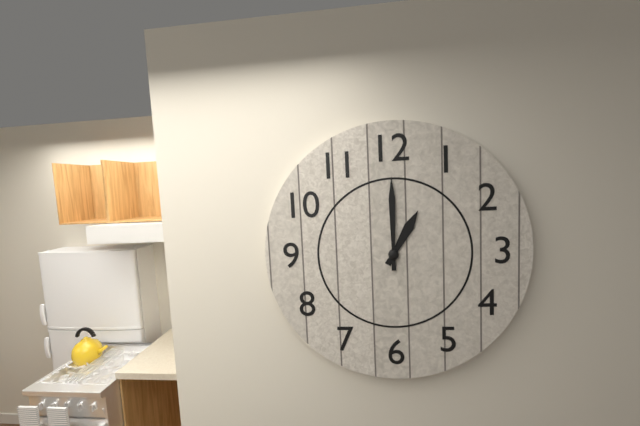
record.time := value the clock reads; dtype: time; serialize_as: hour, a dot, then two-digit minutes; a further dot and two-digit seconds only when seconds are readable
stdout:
1.00
